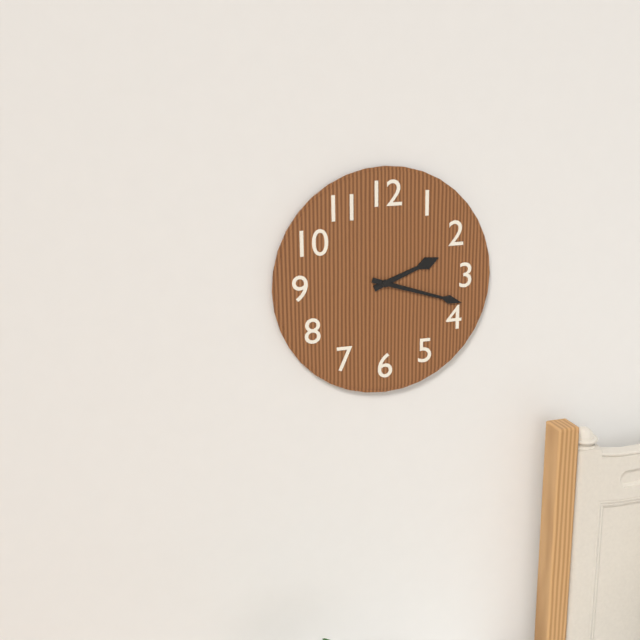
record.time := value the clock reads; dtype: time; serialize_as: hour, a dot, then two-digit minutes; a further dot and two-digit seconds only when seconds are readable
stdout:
2.18
